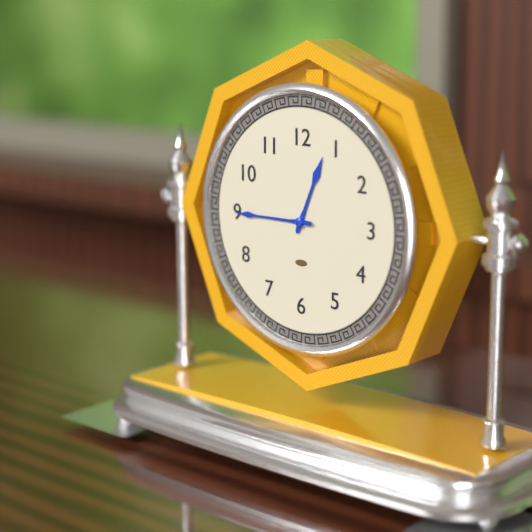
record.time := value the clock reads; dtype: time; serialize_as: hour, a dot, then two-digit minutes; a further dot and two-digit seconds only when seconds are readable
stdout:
12.45
